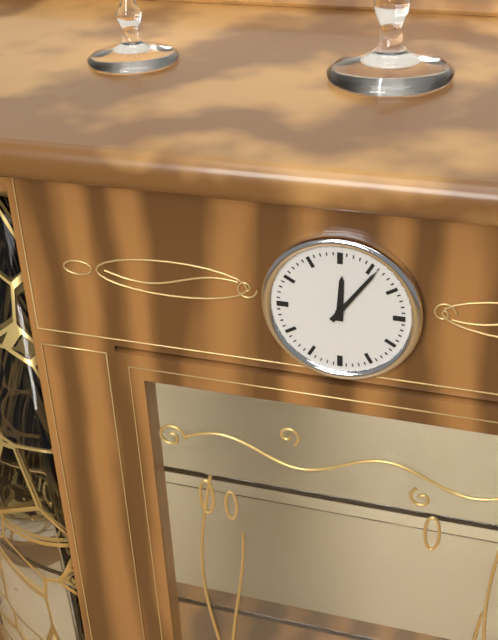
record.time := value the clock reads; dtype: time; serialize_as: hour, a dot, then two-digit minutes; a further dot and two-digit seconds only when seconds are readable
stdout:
12.06
